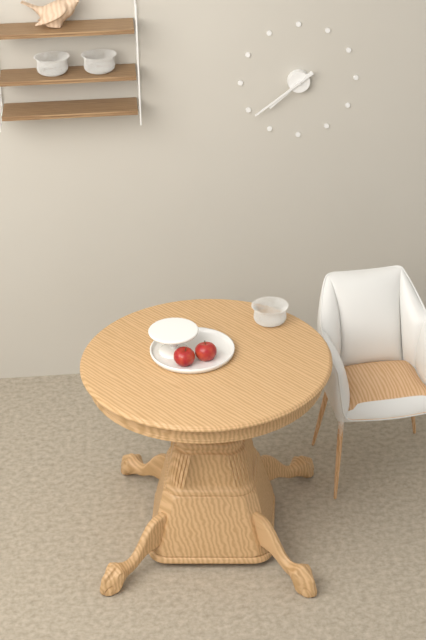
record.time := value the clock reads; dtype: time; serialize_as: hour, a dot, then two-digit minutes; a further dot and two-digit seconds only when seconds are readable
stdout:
7.39
